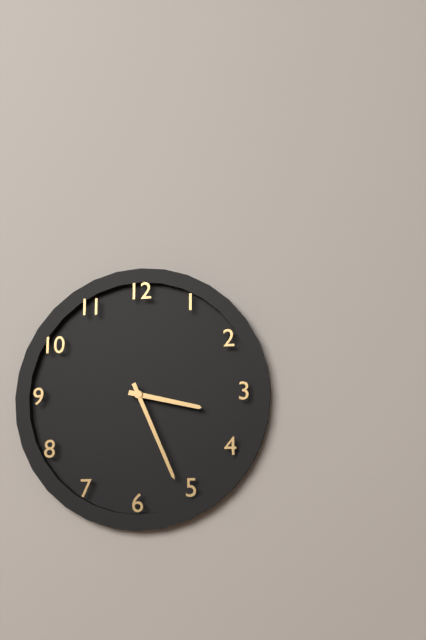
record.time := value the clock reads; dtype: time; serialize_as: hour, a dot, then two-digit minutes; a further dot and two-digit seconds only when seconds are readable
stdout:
3.26
